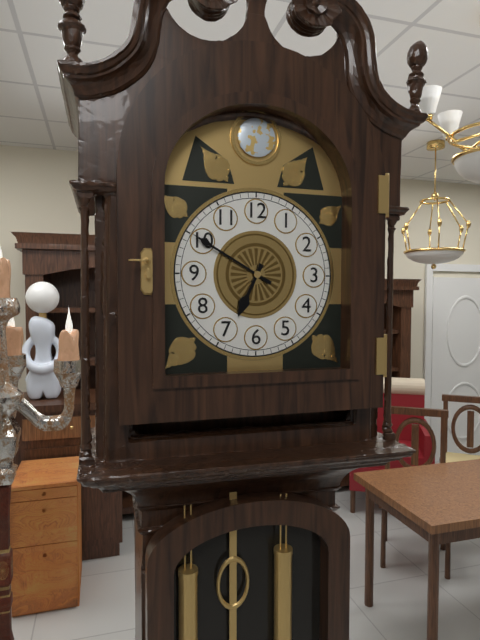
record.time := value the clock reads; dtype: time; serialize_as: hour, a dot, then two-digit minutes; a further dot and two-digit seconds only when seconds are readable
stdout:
6.50
